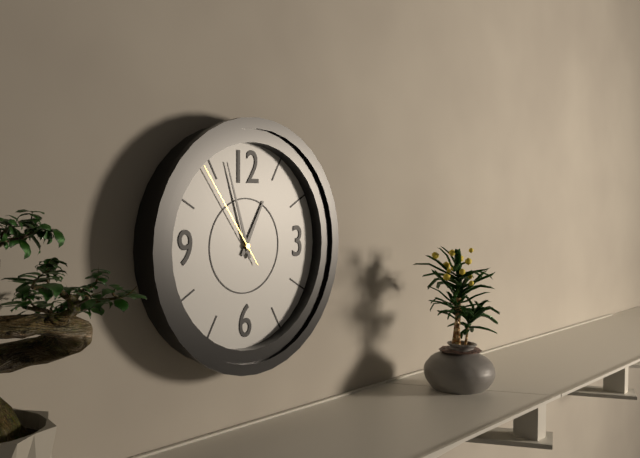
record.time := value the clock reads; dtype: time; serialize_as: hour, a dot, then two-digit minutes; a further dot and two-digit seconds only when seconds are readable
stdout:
12.57.54
